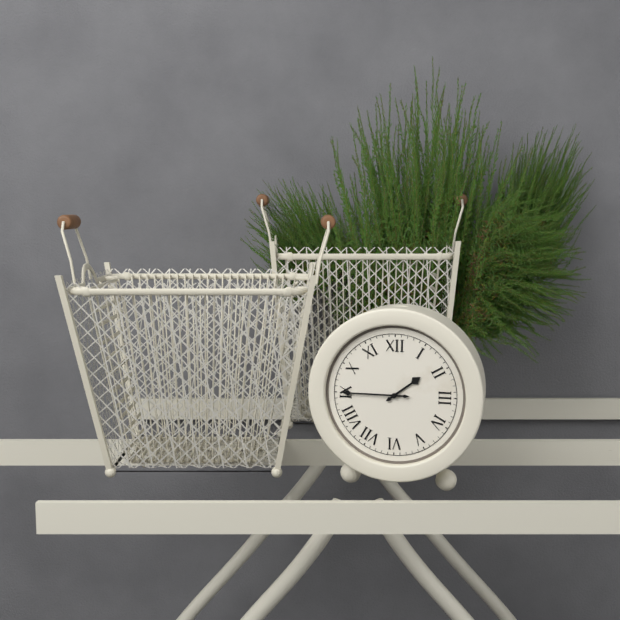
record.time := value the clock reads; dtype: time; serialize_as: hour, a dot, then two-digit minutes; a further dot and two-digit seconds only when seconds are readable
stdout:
1.45
